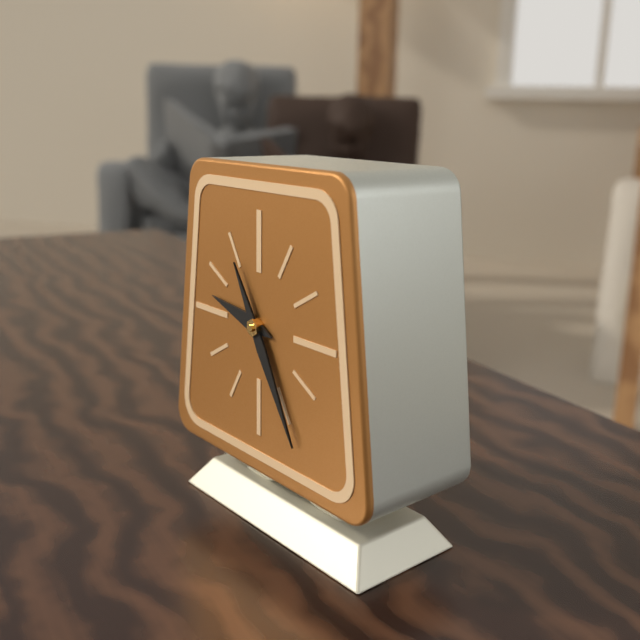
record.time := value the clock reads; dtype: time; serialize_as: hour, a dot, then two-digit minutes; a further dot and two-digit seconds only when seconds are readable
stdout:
9.25
